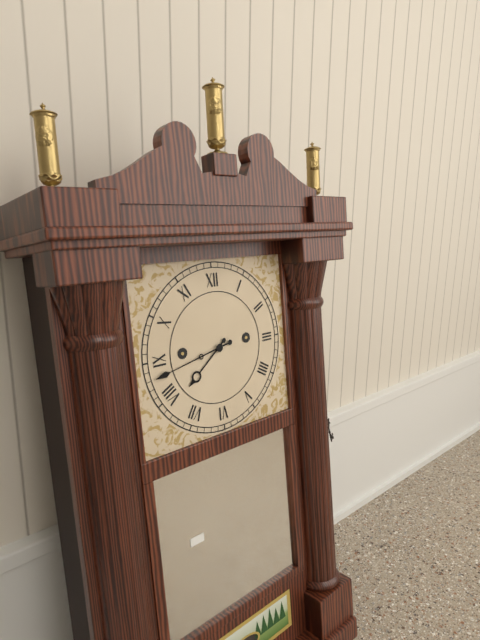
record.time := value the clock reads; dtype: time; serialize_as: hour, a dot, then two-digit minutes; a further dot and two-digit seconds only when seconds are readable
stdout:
7.43
